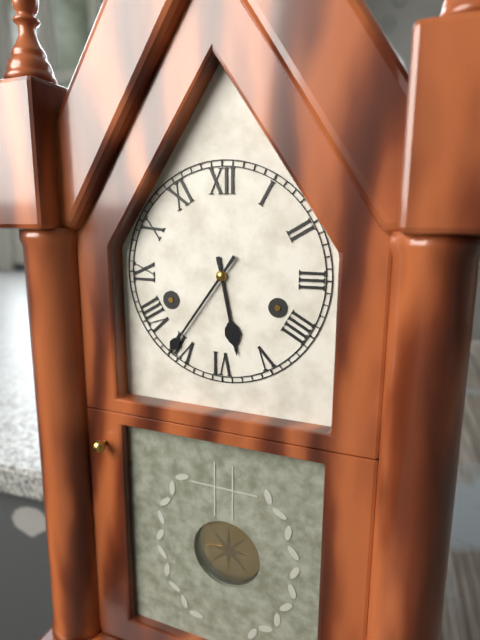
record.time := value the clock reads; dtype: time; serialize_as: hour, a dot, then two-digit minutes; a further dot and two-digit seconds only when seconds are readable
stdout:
5.36
